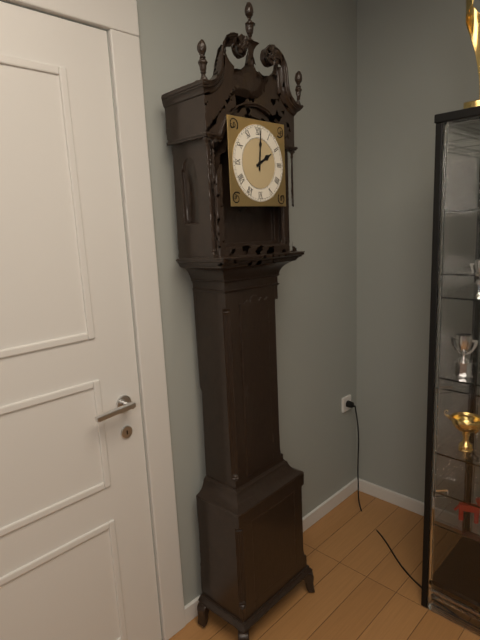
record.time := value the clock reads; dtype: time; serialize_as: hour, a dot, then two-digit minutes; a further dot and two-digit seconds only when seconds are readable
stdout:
2.01
